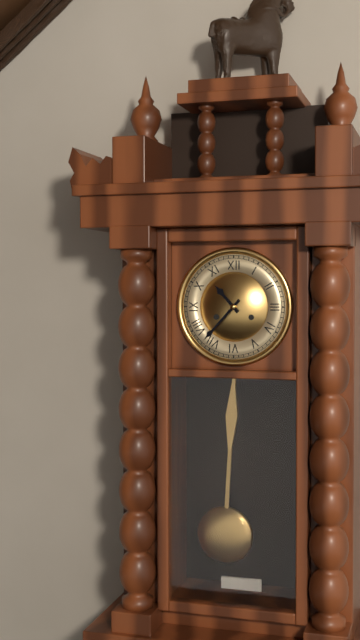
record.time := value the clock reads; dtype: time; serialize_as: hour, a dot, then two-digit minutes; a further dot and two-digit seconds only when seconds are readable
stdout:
10.37
